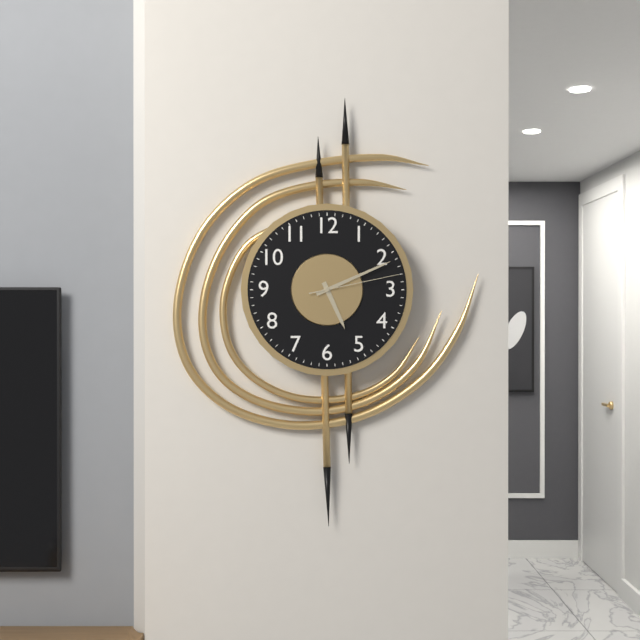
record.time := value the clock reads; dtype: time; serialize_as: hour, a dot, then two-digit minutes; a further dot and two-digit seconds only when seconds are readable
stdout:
5.11.13
